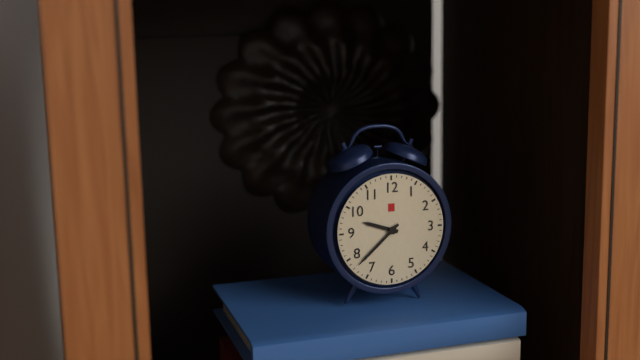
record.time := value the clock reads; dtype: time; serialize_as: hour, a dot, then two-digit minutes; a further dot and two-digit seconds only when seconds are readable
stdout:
9.38
